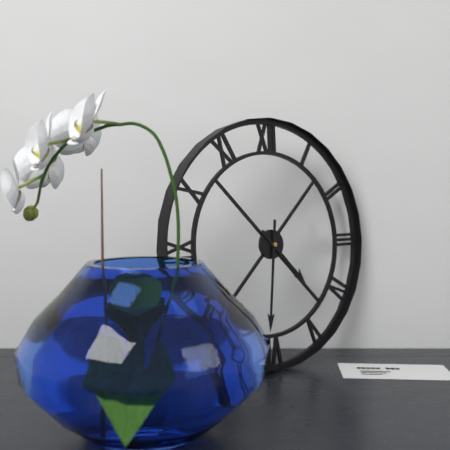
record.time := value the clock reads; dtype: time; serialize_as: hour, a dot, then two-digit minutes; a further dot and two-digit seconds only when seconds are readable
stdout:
4.31
